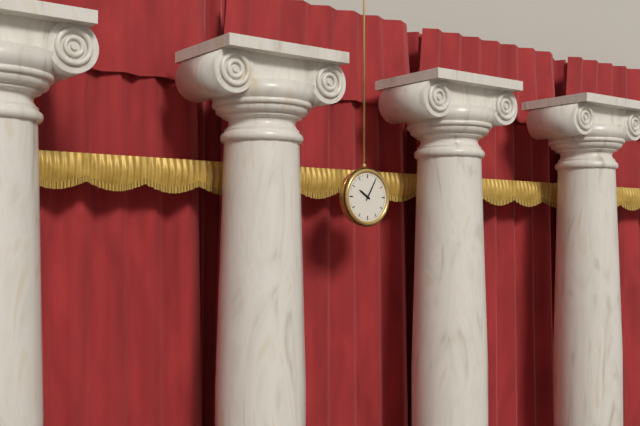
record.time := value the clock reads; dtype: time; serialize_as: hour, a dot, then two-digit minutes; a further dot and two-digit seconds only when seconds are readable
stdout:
10.05
